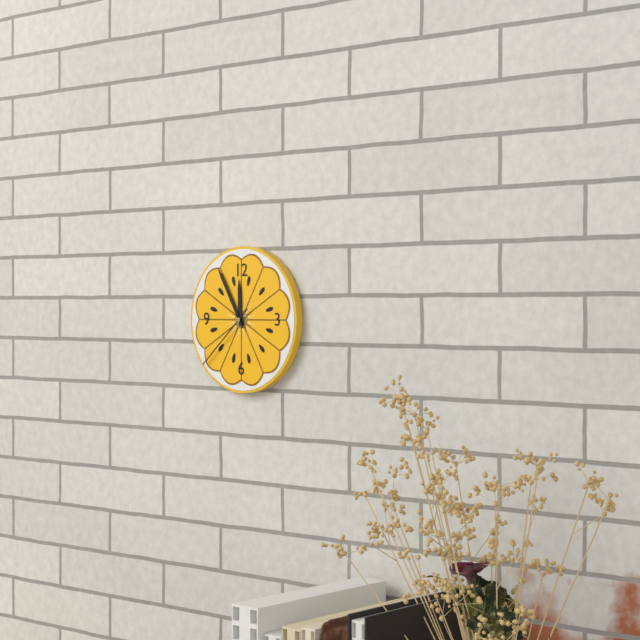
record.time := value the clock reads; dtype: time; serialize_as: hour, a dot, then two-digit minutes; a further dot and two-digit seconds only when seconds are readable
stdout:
11.55.38
